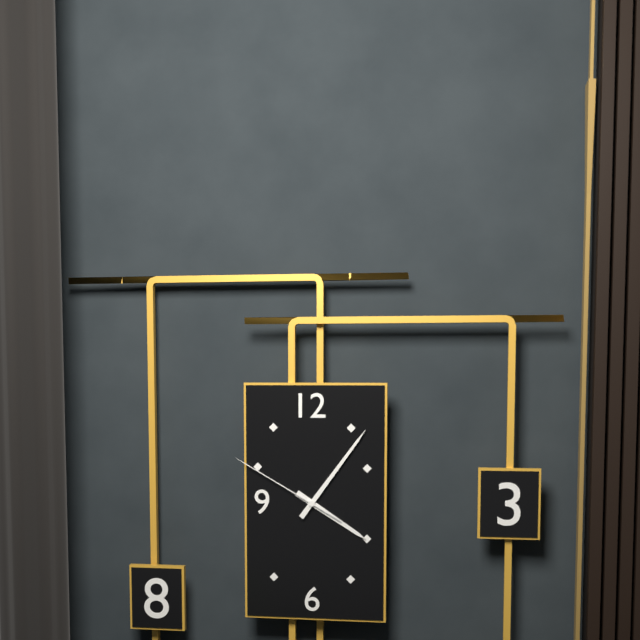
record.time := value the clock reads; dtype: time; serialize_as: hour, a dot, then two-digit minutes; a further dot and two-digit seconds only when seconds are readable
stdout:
4.06.50
